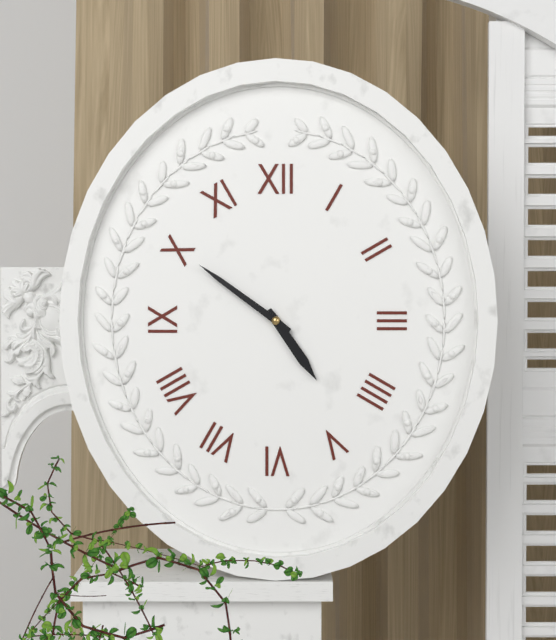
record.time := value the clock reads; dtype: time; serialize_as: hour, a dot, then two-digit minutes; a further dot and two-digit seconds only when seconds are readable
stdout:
4.51
